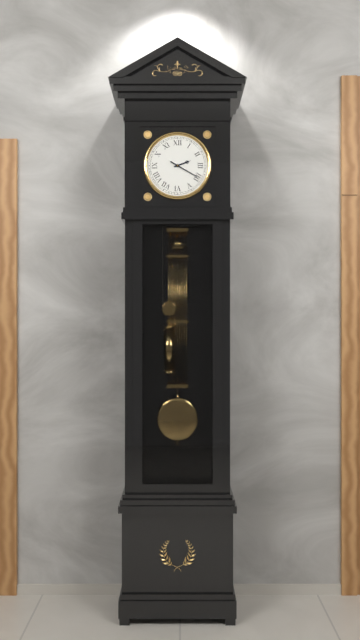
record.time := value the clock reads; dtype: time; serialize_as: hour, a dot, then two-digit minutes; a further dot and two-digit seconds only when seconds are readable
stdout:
2.20
